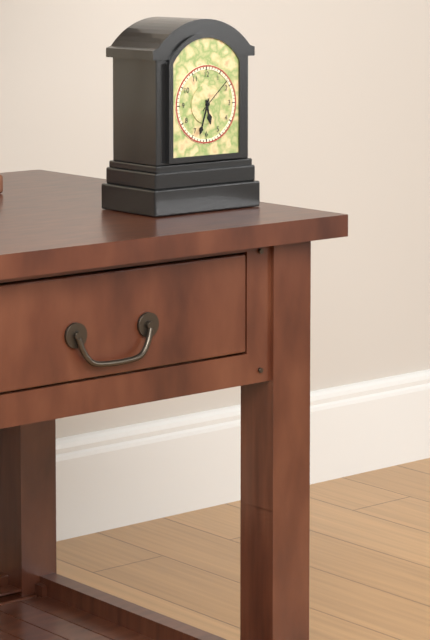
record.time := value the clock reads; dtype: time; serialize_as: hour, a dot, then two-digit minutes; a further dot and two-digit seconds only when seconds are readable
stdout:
5.33
